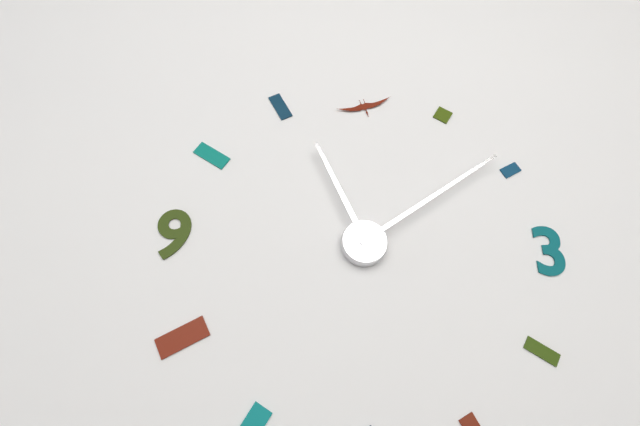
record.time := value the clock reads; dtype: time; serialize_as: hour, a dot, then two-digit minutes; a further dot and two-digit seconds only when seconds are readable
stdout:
11.09
